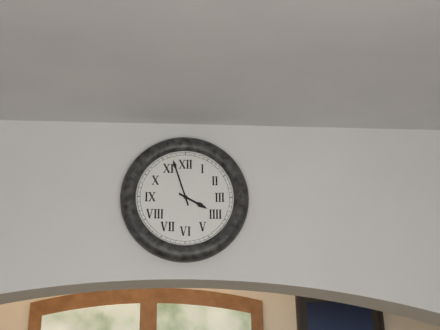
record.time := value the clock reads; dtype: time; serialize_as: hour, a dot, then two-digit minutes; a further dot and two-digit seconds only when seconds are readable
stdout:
3.57
